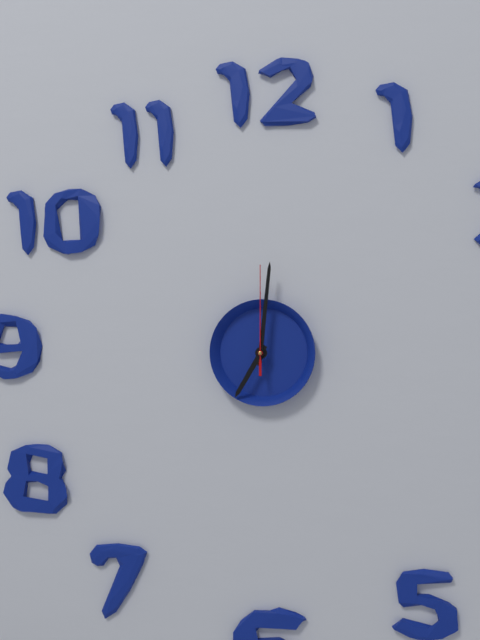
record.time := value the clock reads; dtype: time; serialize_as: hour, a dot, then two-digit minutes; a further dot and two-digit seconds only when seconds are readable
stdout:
7.01.00
